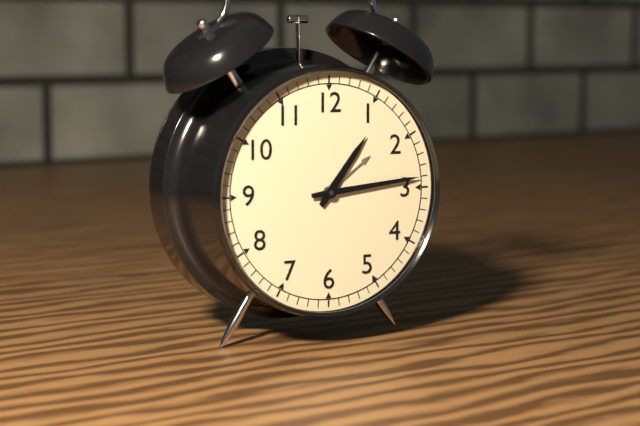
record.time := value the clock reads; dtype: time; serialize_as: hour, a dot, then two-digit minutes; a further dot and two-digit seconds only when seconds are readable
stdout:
1.14
